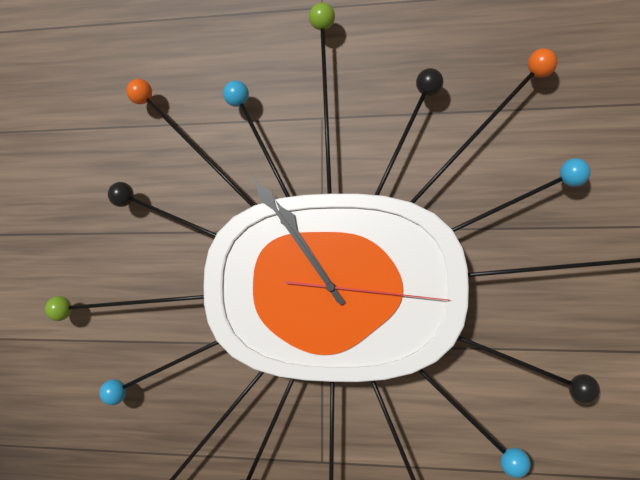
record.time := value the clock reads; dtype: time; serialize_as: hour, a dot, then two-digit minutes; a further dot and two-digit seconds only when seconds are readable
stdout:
10.54.16
